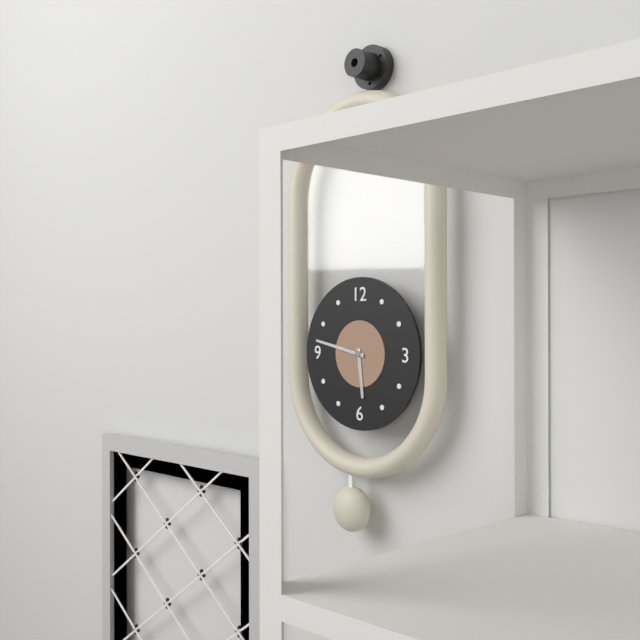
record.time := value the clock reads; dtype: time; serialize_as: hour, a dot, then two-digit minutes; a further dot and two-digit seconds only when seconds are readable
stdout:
5.47
